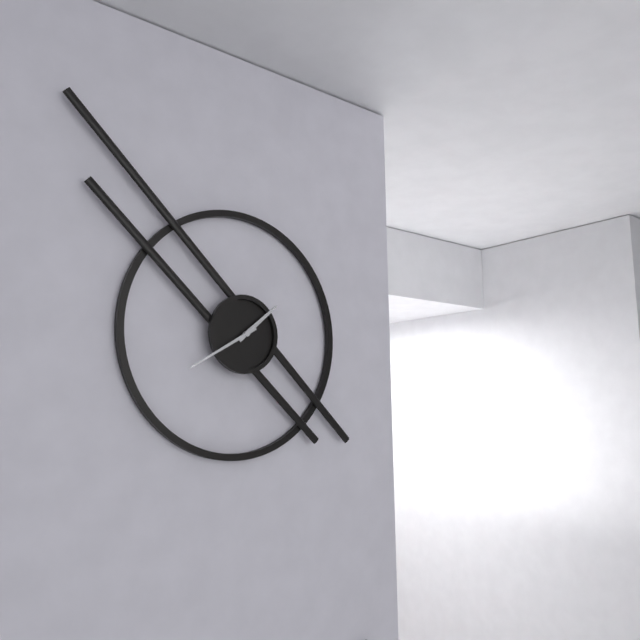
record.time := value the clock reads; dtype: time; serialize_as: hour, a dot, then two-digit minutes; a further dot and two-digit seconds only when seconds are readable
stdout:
1.40
